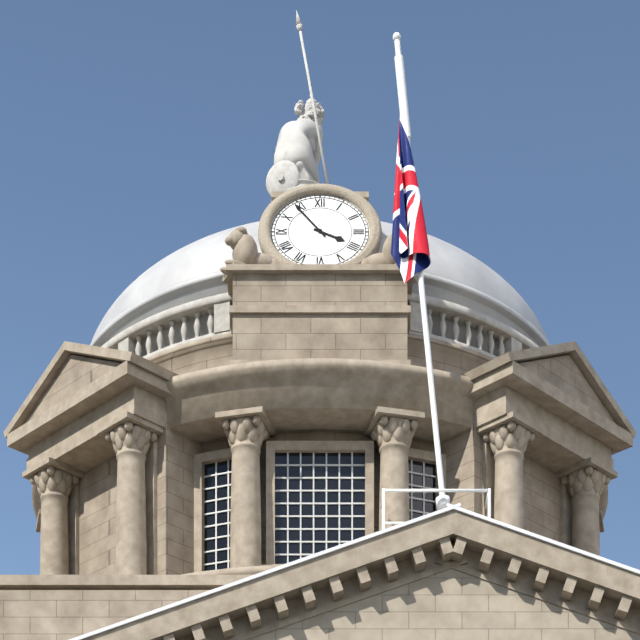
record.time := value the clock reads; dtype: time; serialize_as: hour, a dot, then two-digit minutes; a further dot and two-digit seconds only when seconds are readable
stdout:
3.54
